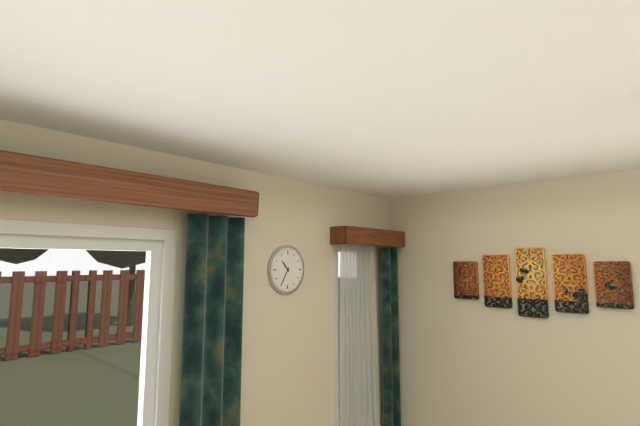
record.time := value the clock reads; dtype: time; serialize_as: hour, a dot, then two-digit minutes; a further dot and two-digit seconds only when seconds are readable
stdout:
10.35
